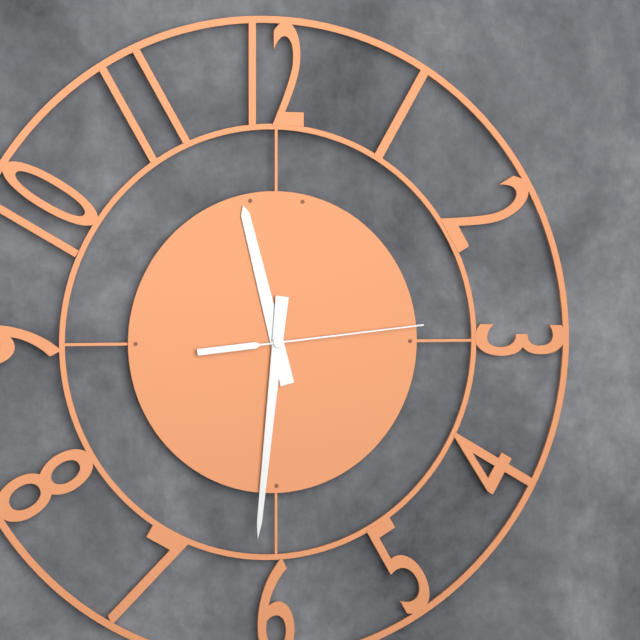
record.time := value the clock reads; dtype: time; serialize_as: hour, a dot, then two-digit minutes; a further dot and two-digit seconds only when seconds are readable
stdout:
11.31.14
